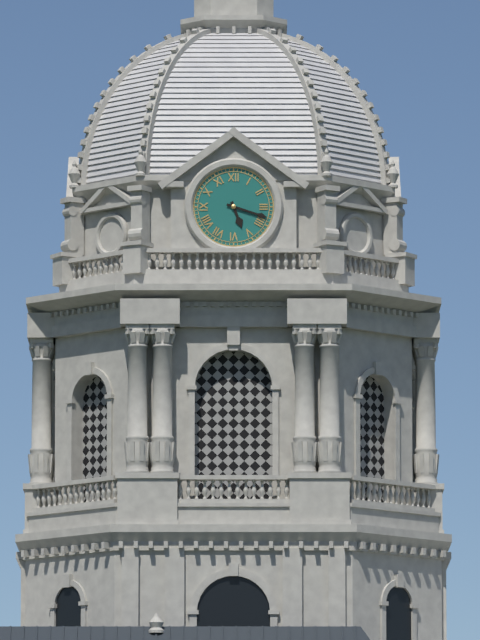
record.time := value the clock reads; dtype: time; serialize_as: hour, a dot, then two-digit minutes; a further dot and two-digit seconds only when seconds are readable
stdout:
5.18
